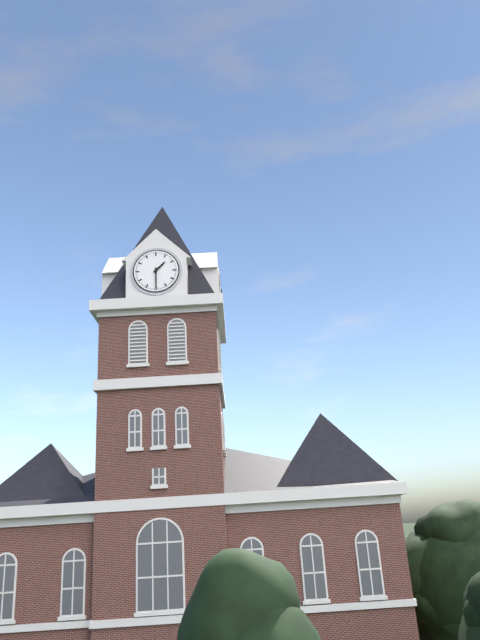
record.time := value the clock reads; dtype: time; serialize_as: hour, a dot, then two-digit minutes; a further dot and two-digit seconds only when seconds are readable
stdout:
1.30
